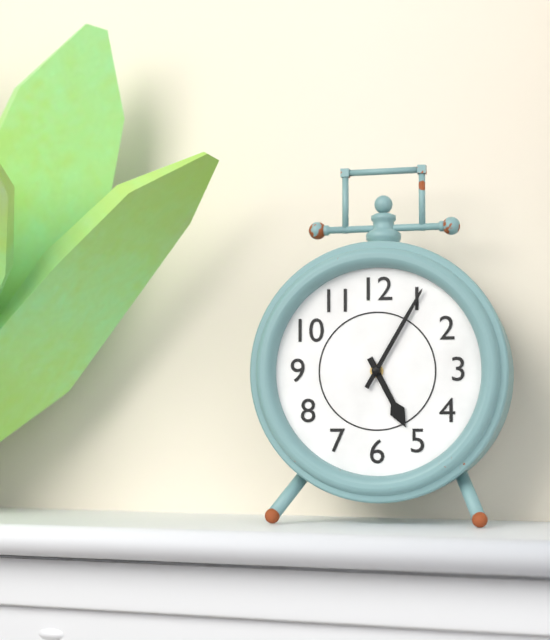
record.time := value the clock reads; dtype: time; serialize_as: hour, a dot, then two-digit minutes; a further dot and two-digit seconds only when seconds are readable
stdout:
5.05
